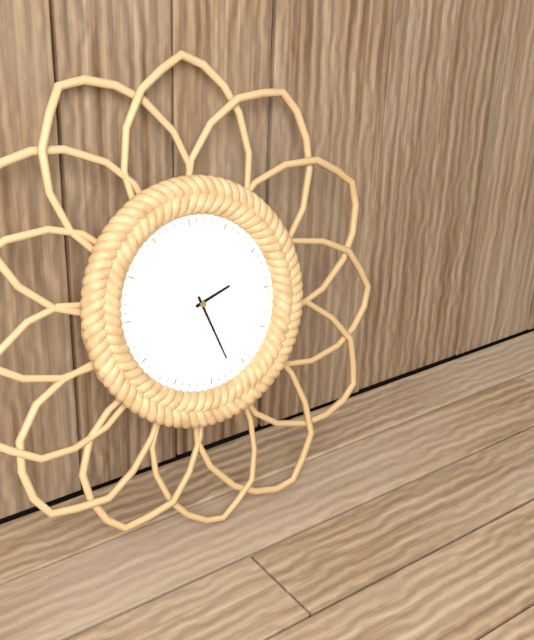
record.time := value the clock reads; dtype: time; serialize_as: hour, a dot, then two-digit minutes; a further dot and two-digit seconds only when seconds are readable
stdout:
2.27
